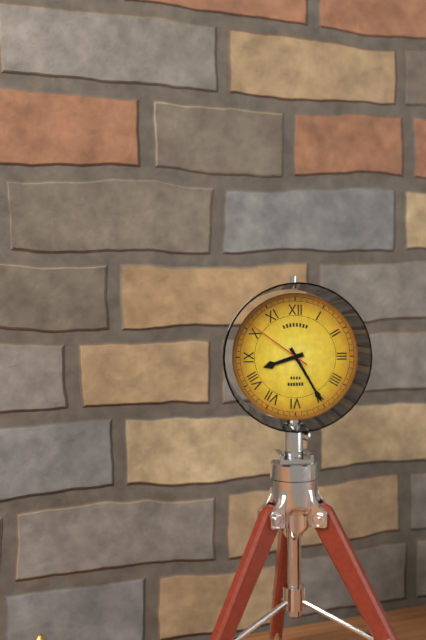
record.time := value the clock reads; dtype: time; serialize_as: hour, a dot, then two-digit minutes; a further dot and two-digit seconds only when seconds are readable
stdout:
8.25.51
